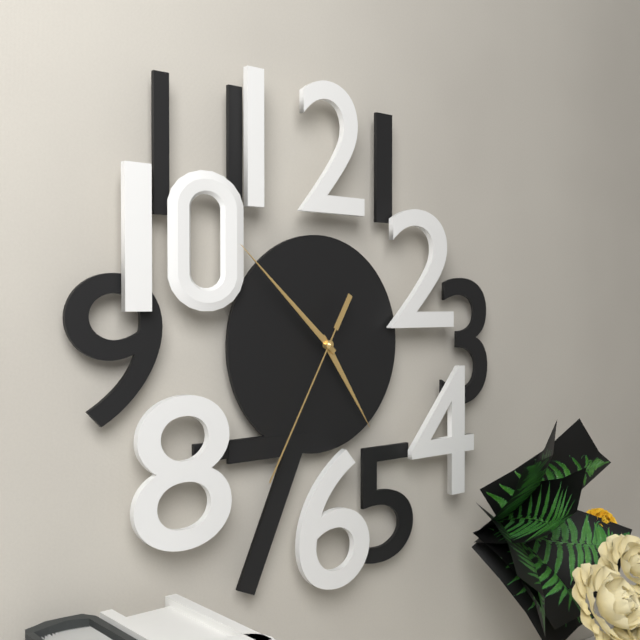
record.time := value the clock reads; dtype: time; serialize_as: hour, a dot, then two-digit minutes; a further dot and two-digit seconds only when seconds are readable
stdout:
4.52.35
